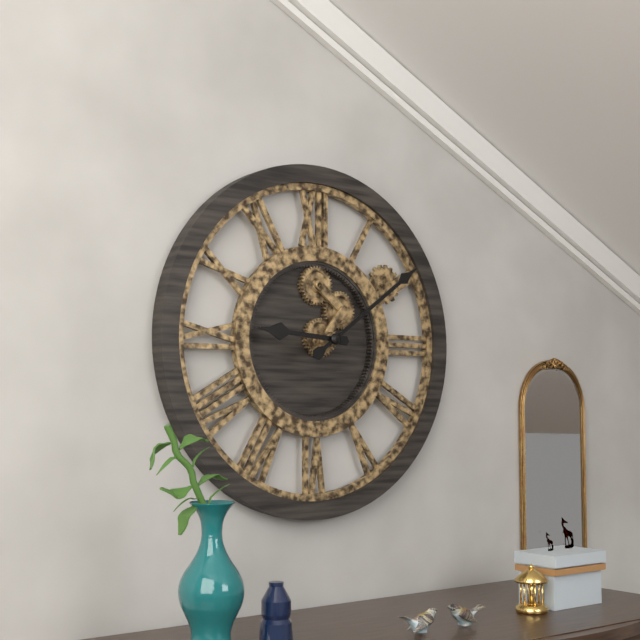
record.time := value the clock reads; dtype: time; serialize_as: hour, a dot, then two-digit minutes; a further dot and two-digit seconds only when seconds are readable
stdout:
9.09
